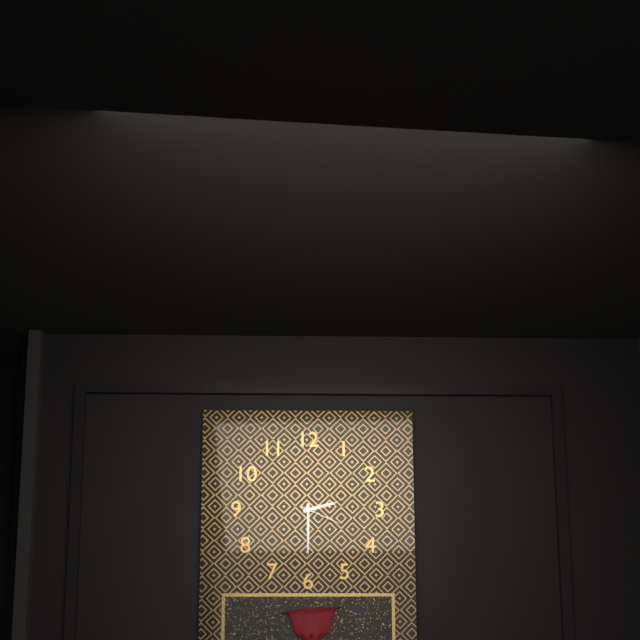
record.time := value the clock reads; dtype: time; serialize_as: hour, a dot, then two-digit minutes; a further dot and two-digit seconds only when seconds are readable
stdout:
2.30
